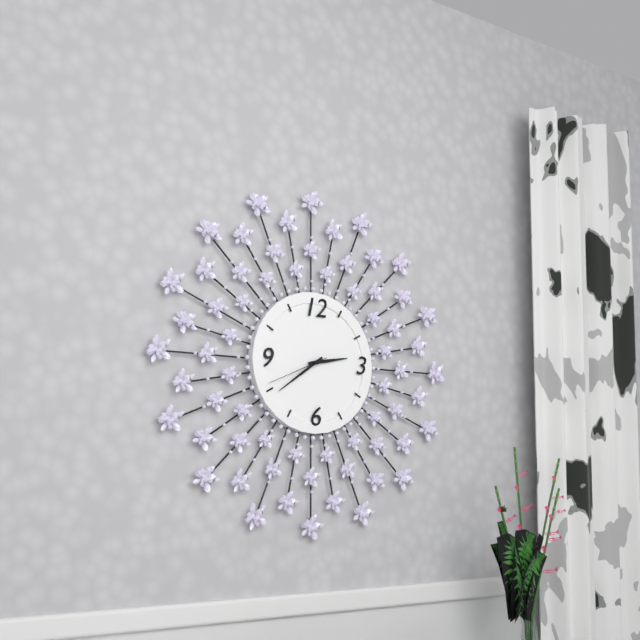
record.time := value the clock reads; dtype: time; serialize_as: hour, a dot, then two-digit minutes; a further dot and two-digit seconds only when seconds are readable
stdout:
2.39.41
